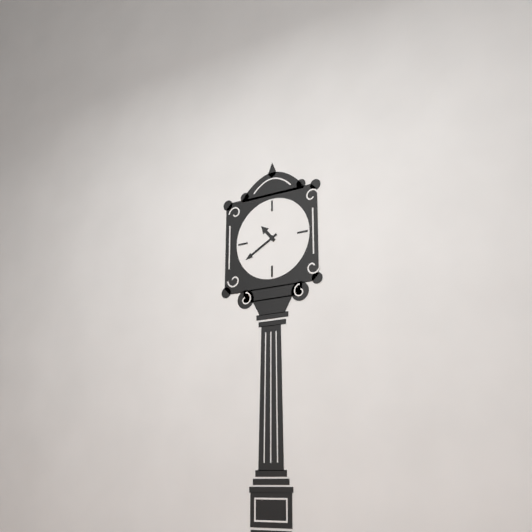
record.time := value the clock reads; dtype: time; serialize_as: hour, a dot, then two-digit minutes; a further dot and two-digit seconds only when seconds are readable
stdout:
10.40
